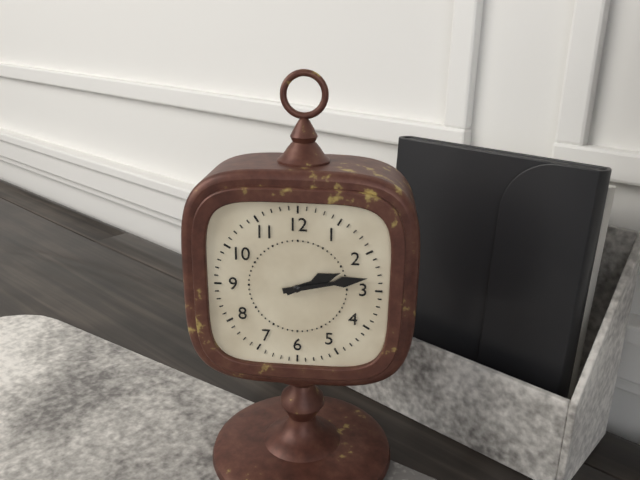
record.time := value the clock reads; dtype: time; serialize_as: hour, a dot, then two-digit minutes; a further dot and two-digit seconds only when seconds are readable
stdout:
2.13
